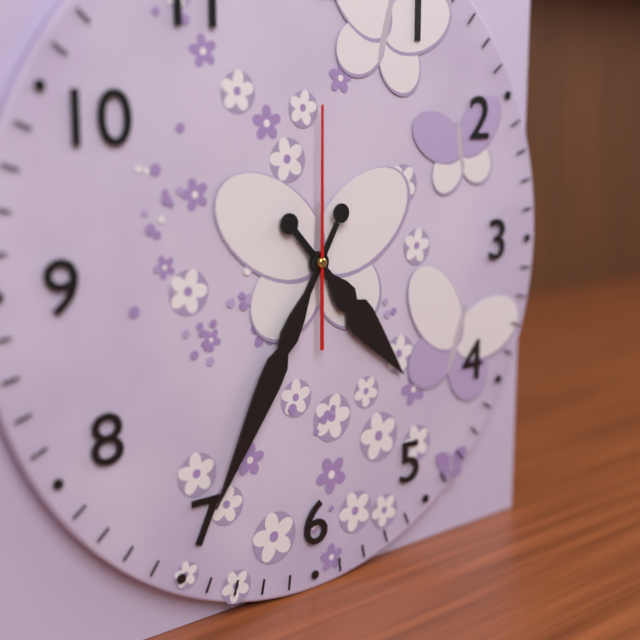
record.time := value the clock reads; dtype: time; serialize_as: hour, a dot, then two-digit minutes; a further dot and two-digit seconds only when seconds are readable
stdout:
4.35.00
